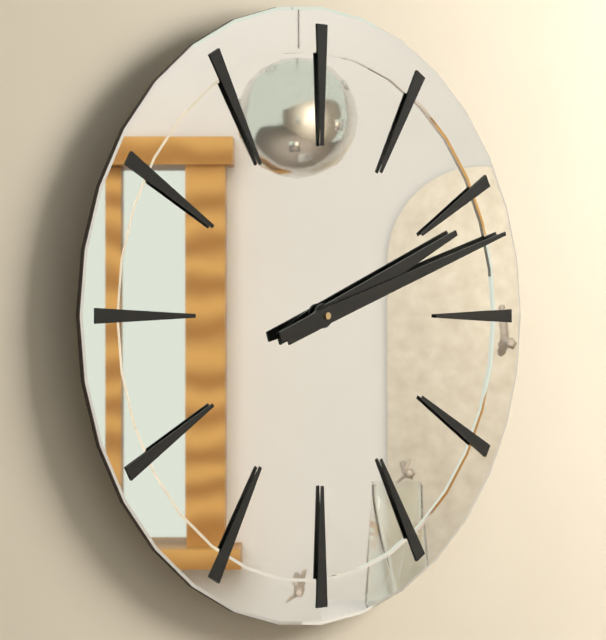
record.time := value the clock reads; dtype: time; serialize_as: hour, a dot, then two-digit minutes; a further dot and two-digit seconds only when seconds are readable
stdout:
2.12
